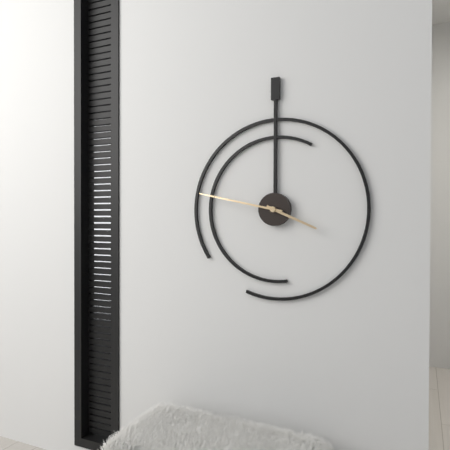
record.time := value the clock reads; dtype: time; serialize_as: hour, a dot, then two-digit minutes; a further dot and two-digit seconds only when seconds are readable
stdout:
3.47
